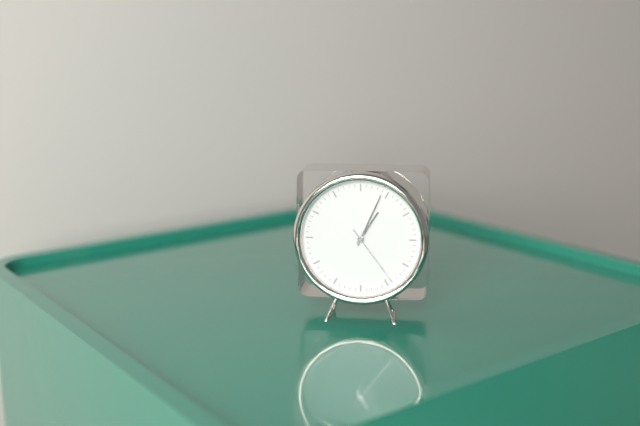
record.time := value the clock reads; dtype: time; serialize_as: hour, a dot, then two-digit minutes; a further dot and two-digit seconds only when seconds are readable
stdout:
1.04.24
